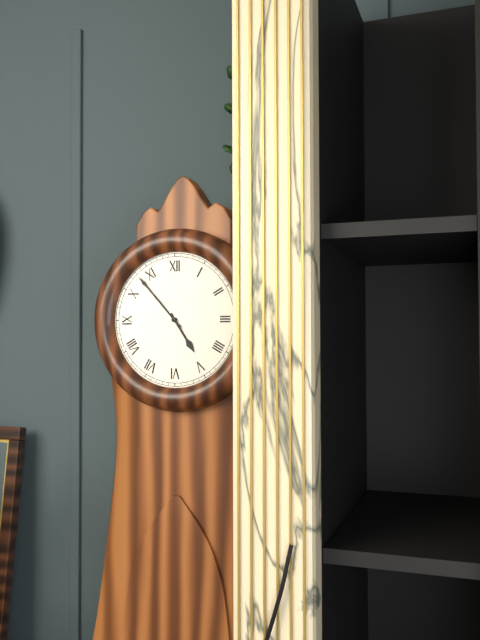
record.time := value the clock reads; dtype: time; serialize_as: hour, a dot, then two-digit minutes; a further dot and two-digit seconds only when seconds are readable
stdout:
4.53
